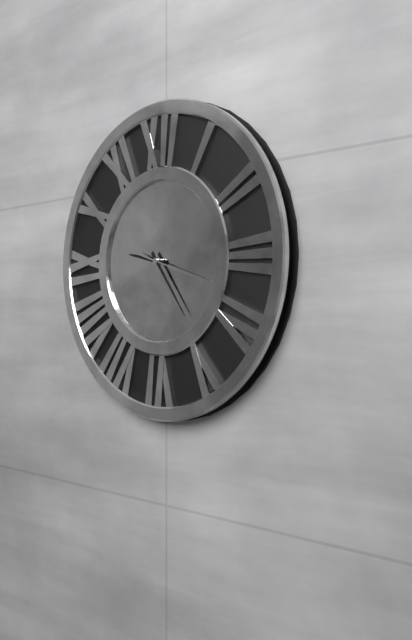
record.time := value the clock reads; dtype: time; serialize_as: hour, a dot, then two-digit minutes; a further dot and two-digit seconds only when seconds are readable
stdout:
9.24.18
